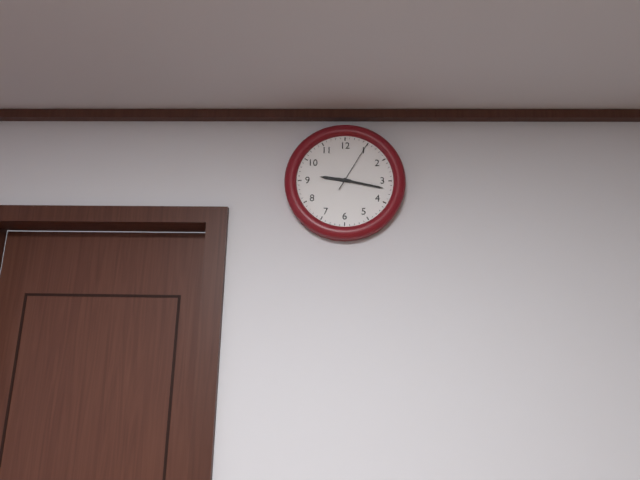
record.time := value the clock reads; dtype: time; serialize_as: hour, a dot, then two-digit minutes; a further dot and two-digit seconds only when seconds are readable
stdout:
9.17.05
